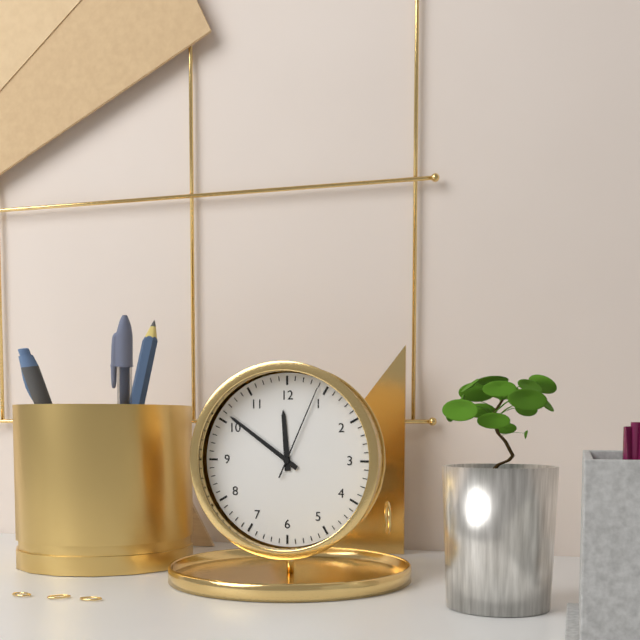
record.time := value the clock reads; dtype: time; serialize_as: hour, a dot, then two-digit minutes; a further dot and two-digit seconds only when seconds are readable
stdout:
11.51.04
